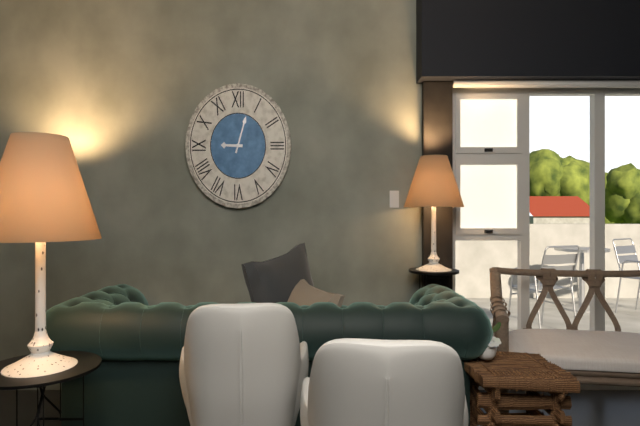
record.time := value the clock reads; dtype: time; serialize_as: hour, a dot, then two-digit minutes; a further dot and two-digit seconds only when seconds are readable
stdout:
9.03
